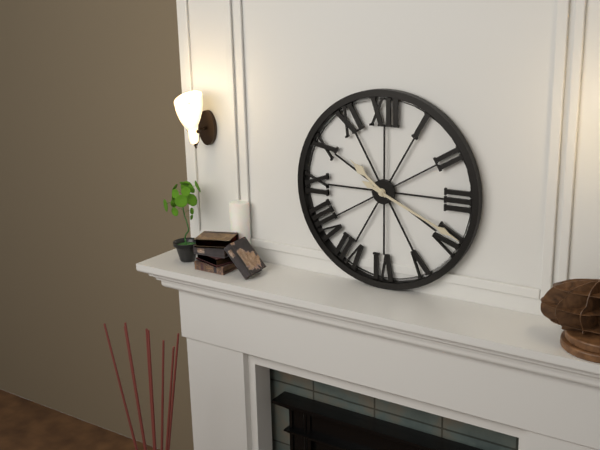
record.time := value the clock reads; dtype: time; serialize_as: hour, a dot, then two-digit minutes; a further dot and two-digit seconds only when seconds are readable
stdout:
10.19
